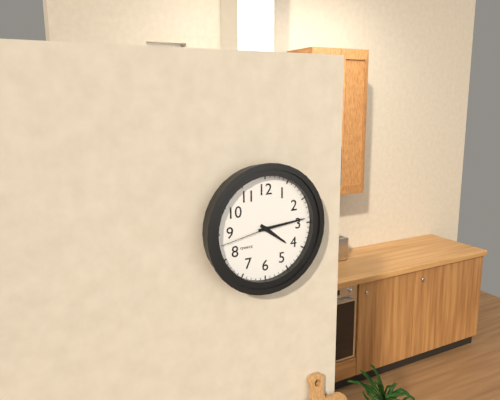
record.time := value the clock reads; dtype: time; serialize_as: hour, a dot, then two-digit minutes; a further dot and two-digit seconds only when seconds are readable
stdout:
4.14.43
